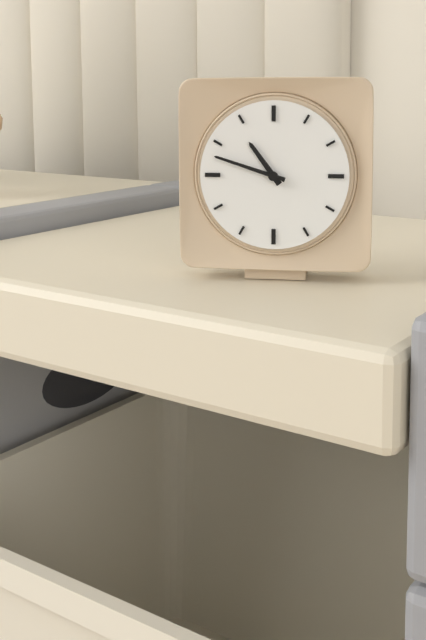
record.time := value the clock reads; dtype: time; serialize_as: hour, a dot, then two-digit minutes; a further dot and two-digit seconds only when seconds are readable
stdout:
10.48
